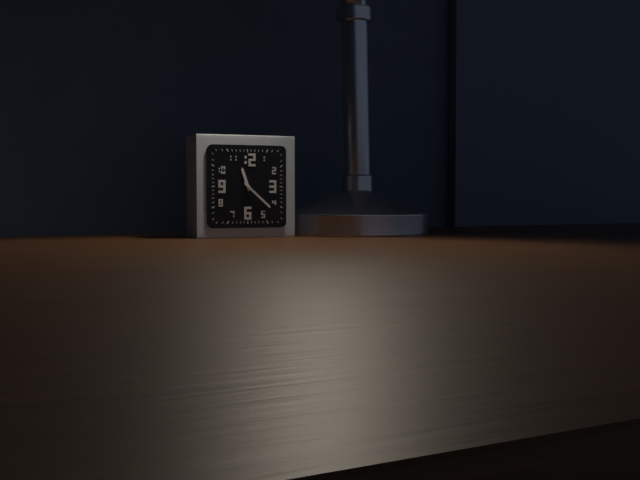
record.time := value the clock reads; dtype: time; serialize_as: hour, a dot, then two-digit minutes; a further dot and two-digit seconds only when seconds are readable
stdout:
11.22
